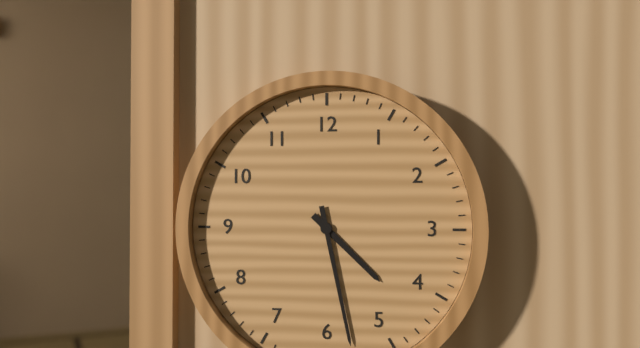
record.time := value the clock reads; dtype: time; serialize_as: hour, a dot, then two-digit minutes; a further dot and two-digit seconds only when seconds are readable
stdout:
4.28
